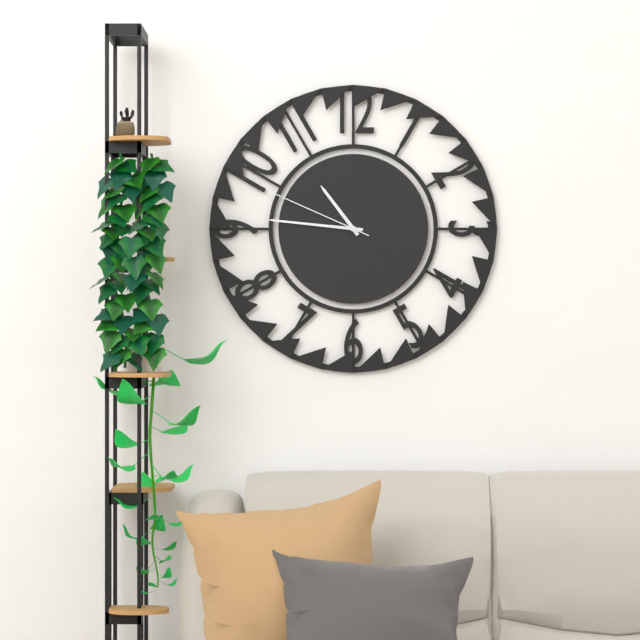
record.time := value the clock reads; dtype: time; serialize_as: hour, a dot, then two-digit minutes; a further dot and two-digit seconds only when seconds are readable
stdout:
10.46.49
